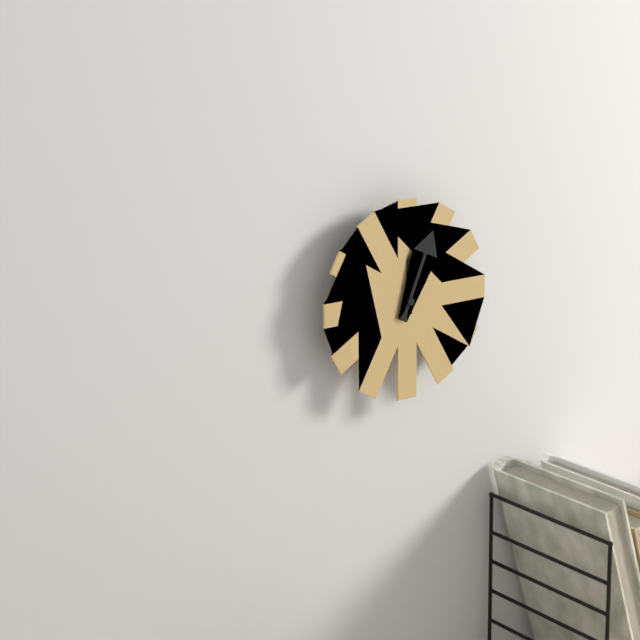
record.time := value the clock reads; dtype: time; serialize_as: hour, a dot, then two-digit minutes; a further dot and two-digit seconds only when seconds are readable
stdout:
12.04
